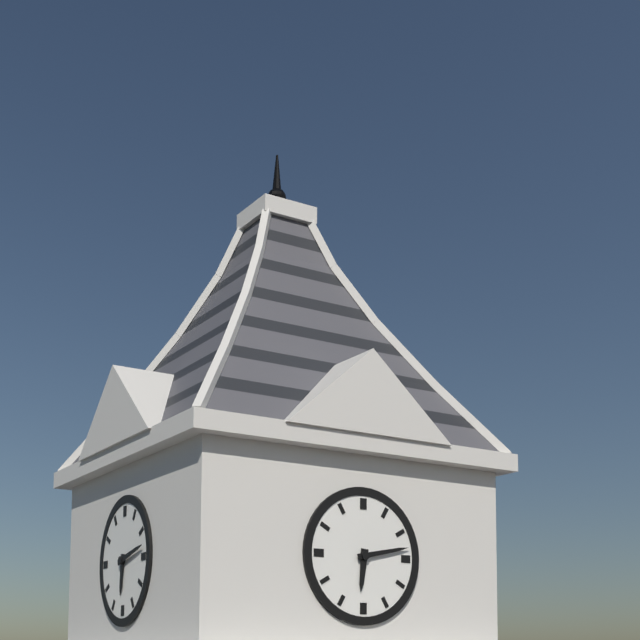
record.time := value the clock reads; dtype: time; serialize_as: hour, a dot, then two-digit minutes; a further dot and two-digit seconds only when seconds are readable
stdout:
6.13
